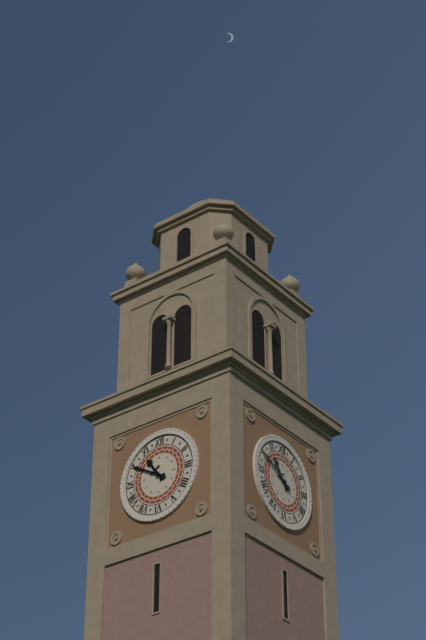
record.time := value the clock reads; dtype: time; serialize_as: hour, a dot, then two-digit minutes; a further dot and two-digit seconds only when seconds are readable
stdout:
10.50
